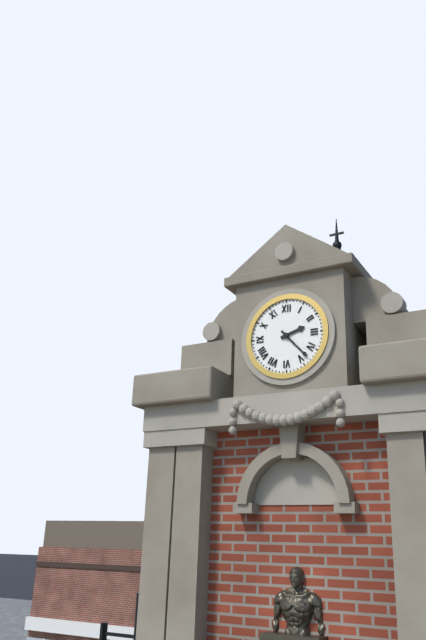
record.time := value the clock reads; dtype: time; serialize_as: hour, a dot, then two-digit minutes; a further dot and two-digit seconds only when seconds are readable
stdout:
2.23
